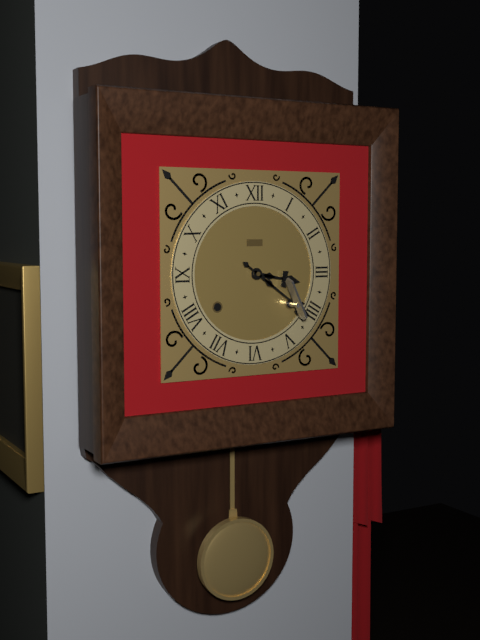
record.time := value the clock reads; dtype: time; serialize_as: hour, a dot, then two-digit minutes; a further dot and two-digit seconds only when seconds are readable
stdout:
3.21
